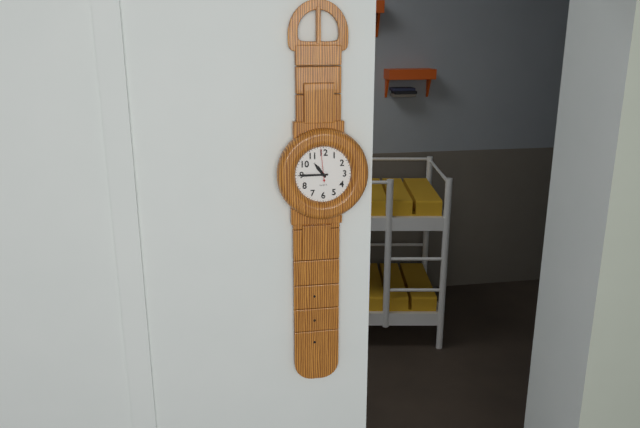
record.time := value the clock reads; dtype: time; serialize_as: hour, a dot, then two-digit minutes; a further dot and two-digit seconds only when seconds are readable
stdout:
10.45
